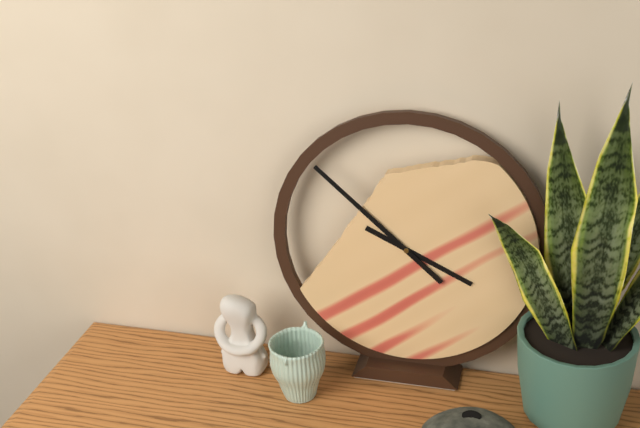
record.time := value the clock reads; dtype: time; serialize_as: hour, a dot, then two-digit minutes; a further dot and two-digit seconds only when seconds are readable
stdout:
3.52
